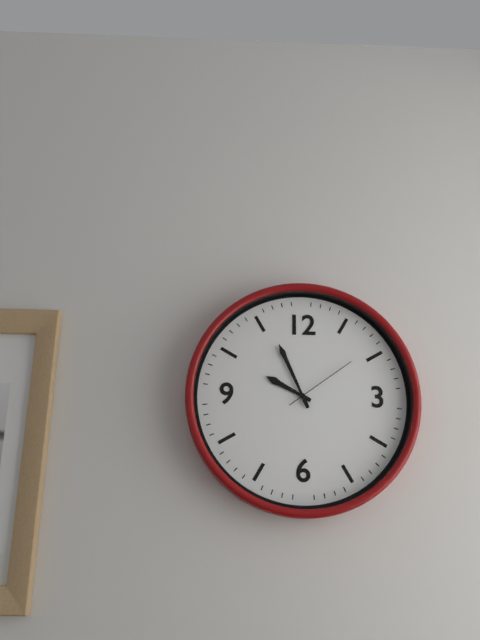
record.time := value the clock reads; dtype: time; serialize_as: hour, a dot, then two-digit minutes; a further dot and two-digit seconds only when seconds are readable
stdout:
9.56.09
